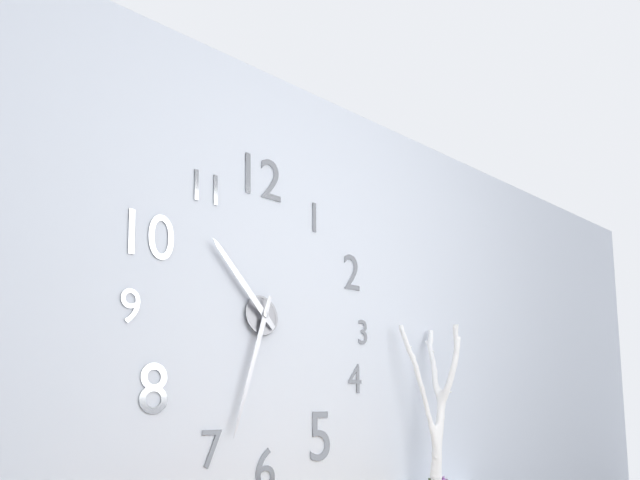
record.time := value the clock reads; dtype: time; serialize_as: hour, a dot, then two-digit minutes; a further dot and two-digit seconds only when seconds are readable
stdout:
10.33
